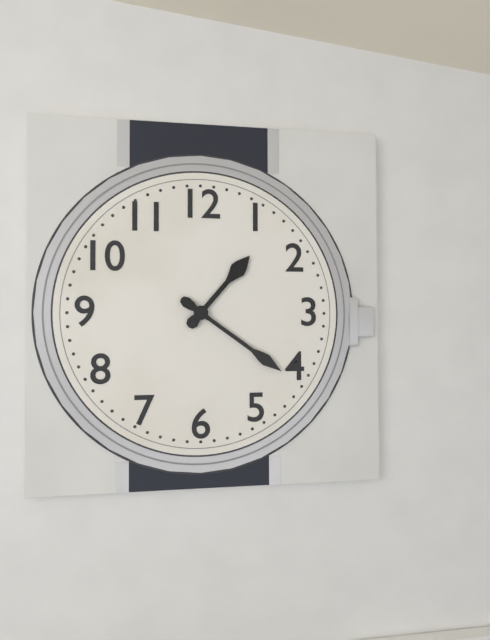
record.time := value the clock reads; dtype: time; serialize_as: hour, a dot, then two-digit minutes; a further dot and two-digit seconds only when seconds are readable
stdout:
1.21
